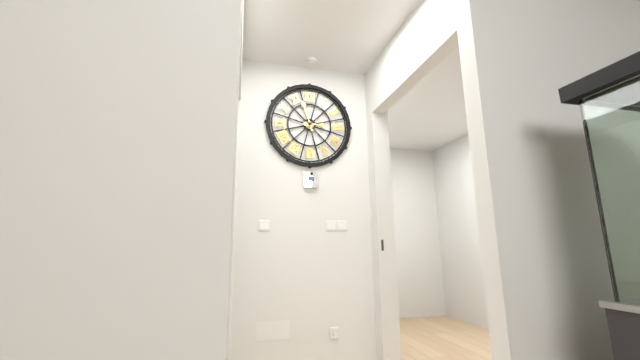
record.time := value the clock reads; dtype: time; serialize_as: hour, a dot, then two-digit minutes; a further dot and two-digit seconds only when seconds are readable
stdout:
2.57
